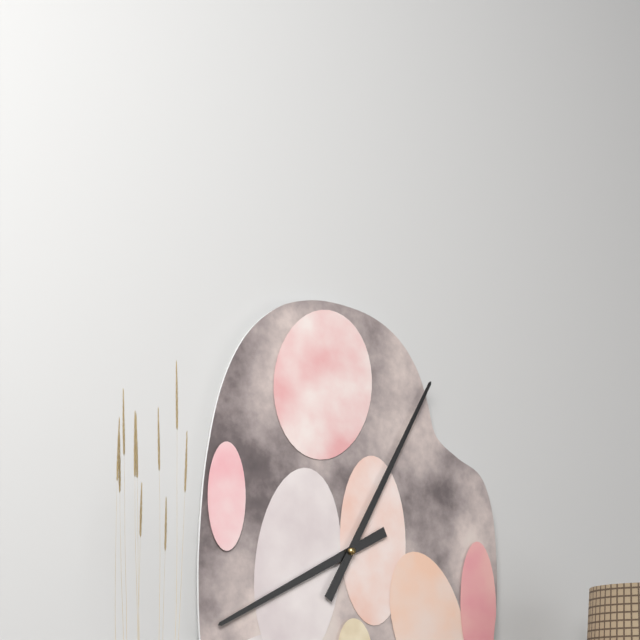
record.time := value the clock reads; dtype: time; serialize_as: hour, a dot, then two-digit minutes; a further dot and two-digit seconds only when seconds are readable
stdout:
8.05
